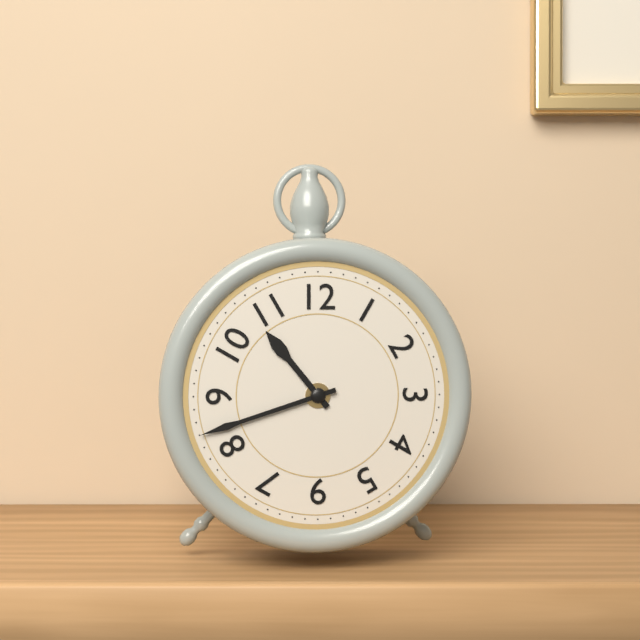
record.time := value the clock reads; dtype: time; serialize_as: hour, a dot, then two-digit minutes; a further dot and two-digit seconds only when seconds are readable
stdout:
10.42
